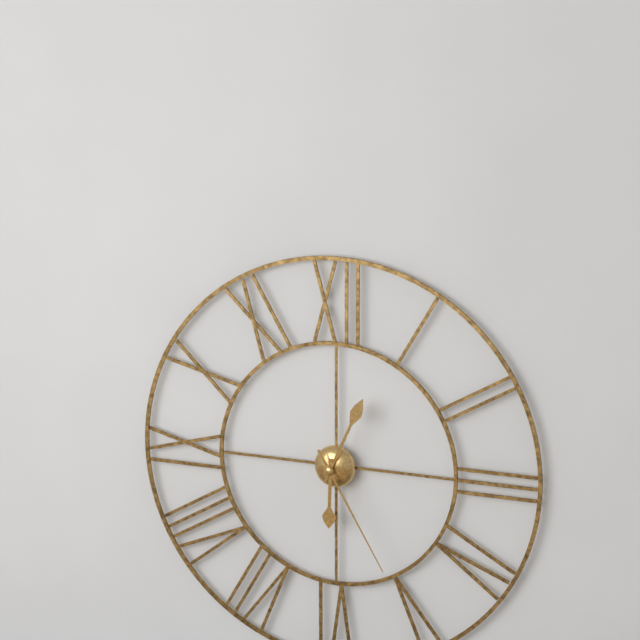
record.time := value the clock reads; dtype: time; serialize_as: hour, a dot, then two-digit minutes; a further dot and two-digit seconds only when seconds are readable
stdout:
6.04.25
